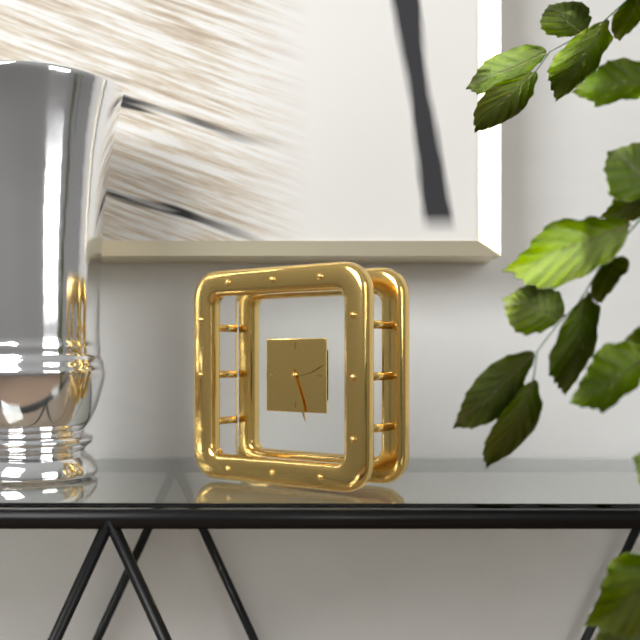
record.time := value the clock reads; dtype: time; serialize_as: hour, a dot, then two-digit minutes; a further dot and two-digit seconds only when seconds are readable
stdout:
2.27
